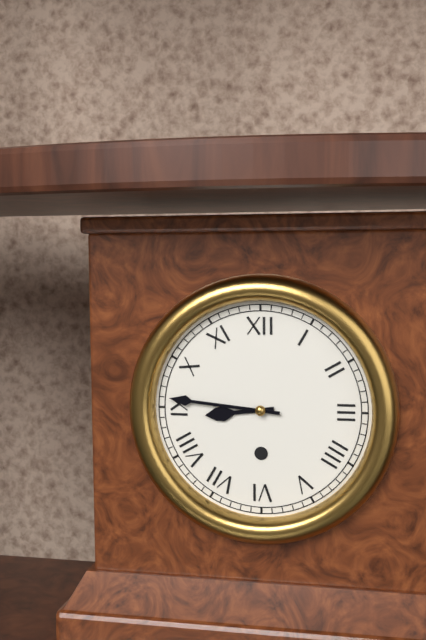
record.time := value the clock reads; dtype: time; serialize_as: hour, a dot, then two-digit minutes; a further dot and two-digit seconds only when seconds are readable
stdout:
8.46
